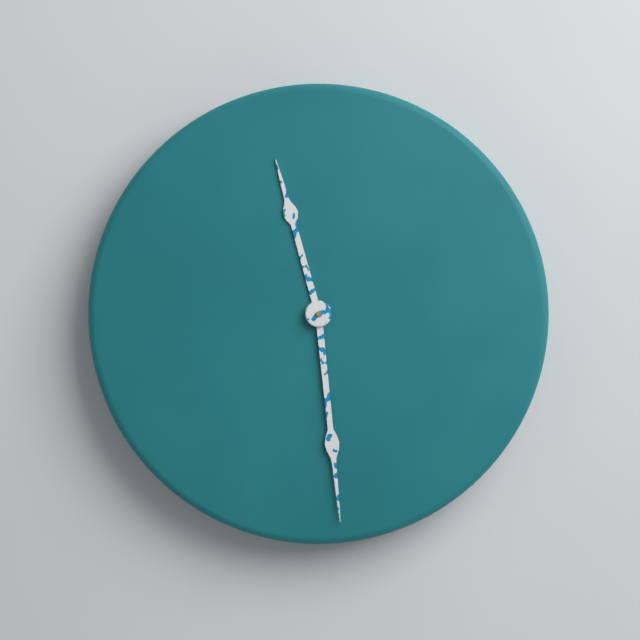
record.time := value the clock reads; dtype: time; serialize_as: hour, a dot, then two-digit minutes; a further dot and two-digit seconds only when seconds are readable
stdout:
11.29
